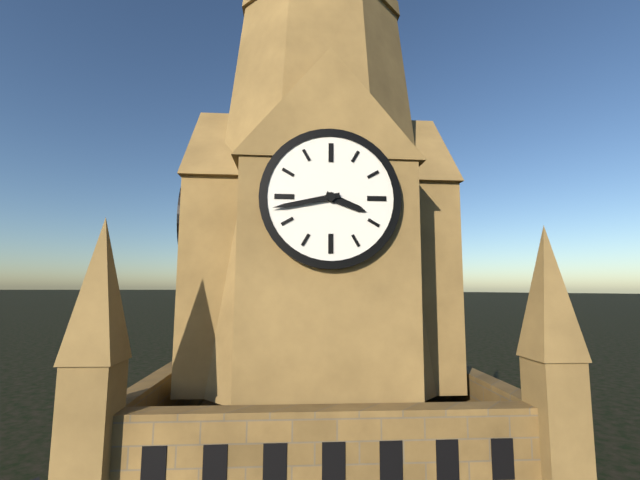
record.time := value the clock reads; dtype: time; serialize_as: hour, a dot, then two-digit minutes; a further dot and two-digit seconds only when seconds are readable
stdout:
3.43
